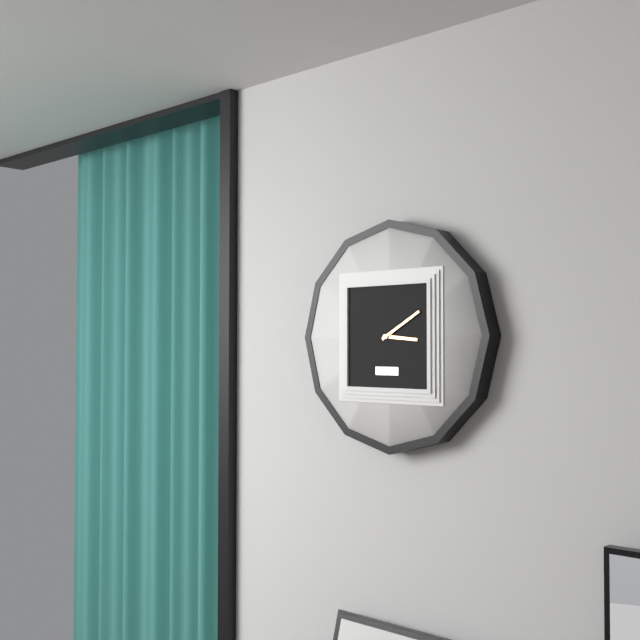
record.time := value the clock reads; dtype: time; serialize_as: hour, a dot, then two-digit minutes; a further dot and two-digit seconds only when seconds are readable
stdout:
3.10
